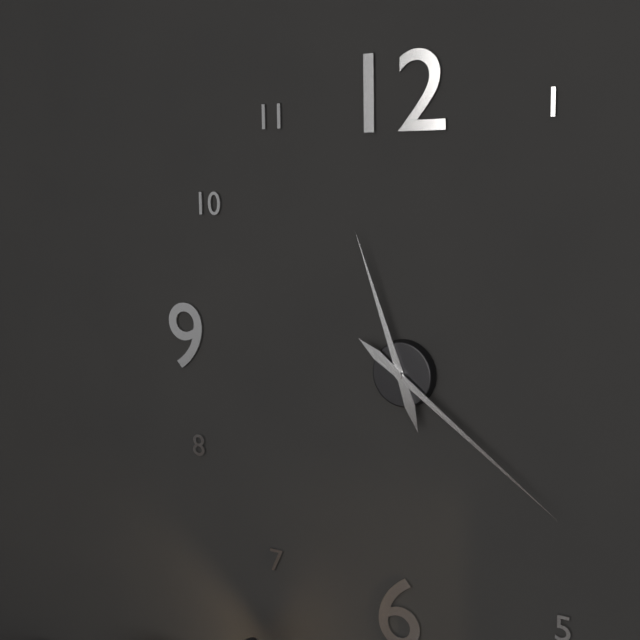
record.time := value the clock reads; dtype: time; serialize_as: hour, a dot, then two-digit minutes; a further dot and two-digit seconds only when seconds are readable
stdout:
11.21
